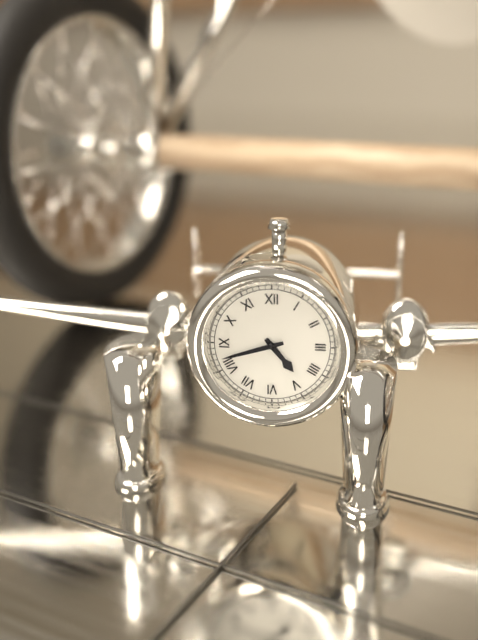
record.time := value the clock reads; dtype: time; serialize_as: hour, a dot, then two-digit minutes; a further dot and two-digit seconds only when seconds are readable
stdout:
4.42
